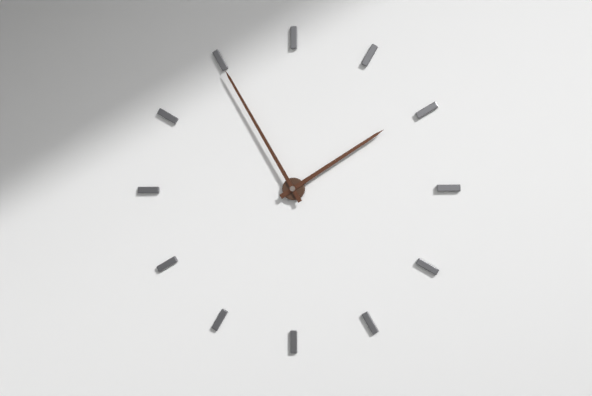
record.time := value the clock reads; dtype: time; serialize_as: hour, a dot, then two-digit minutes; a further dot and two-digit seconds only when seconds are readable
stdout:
1.55
